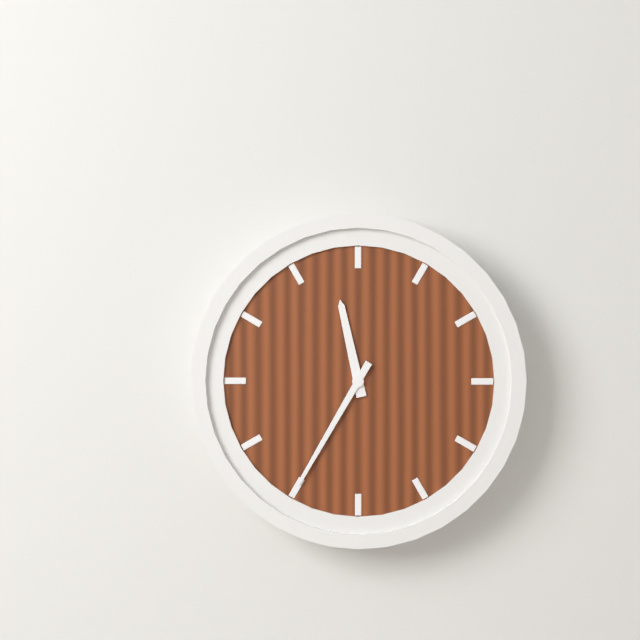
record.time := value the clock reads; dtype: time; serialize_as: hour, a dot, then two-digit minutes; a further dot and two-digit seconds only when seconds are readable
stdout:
11.35
